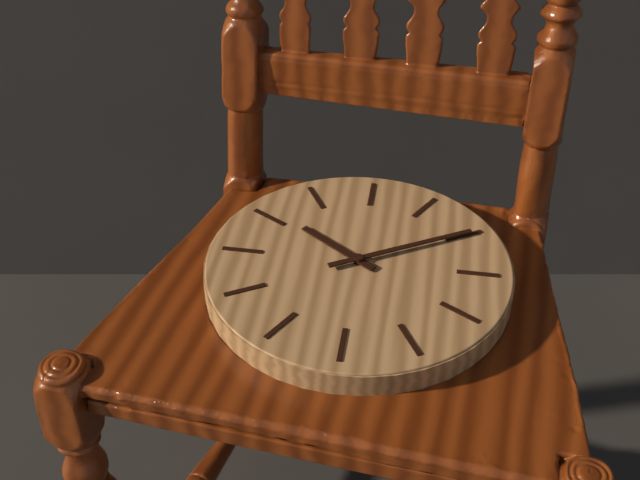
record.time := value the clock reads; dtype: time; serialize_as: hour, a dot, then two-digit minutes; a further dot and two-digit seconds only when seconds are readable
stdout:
10.10
